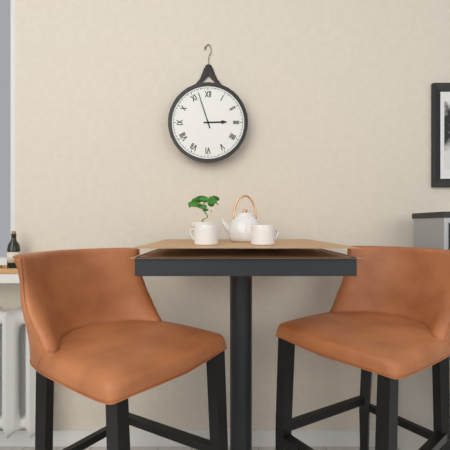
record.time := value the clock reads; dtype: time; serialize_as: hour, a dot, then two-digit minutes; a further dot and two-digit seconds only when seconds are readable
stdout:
2.57
